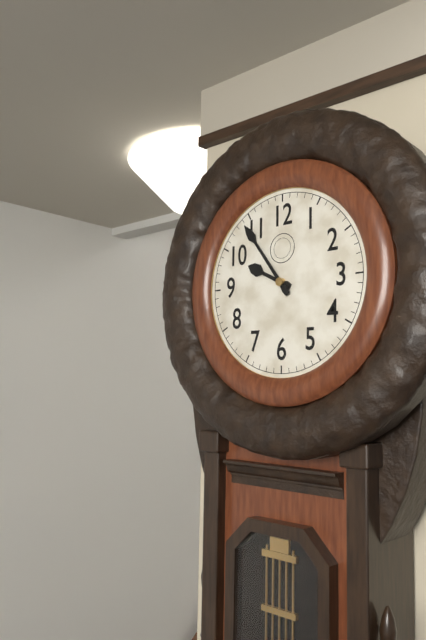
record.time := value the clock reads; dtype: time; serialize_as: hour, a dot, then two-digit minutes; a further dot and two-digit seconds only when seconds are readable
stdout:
9.54
